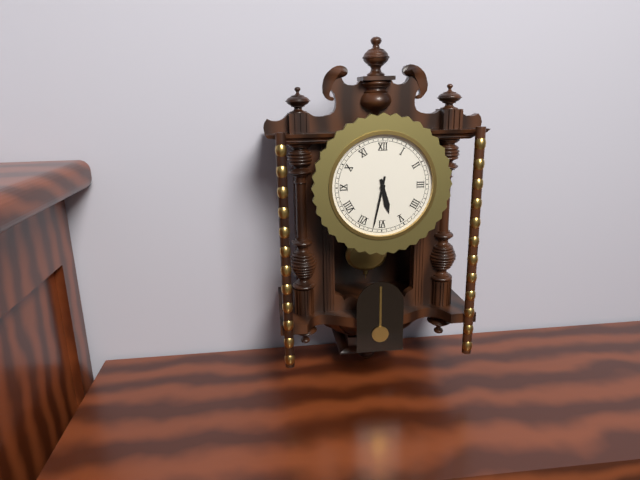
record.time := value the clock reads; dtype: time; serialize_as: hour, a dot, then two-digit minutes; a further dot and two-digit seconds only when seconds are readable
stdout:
5.32
